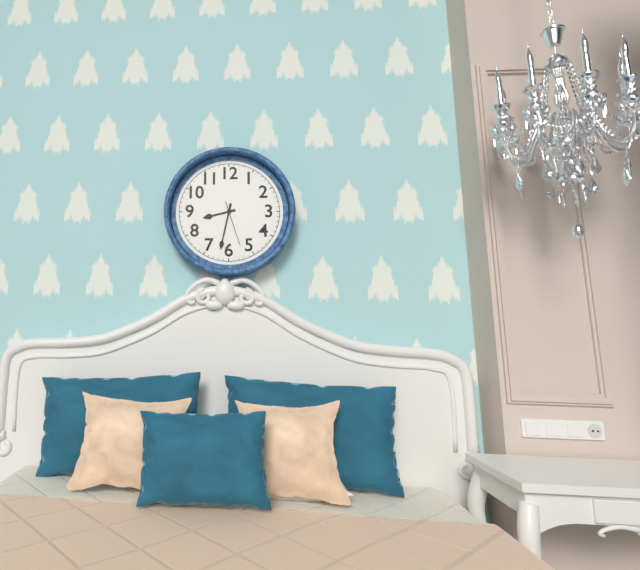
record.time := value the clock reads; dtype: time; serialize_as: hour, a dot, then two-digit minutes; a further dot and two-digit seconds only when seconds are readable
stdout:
8.32
